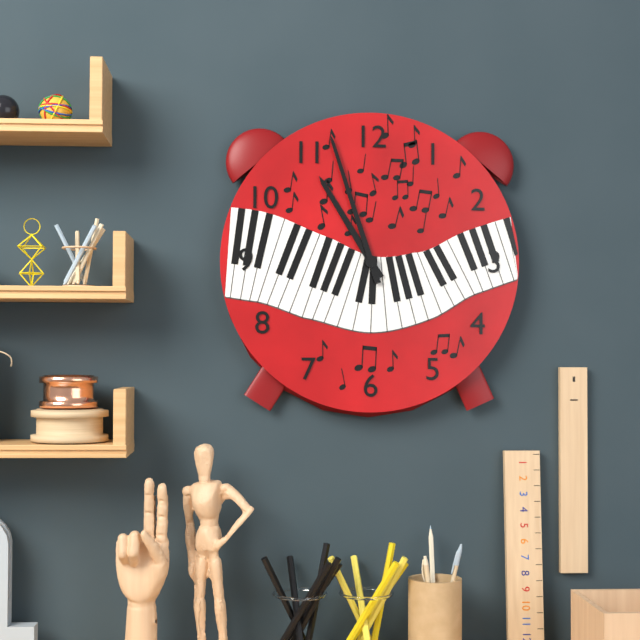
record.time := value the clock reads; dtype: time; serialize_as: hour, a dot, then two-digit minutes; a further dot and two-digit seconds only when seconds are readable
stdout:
10.57
